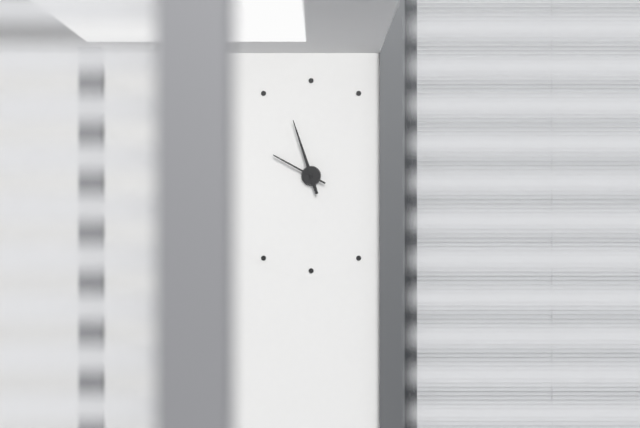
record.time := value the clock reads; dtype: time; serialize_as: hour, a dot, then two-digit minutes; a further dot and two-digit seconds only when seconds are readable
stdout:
9.57
